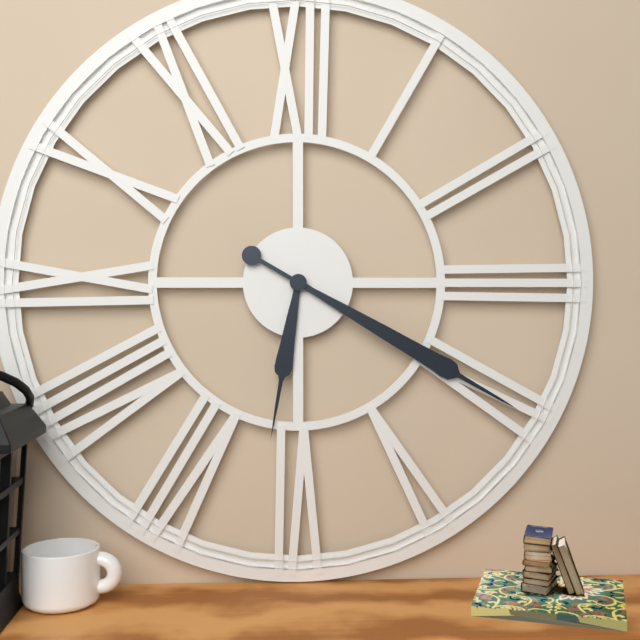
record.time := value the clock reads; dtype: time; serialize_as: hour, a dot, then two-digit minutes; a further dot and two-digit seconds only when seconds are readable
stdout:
6.20
